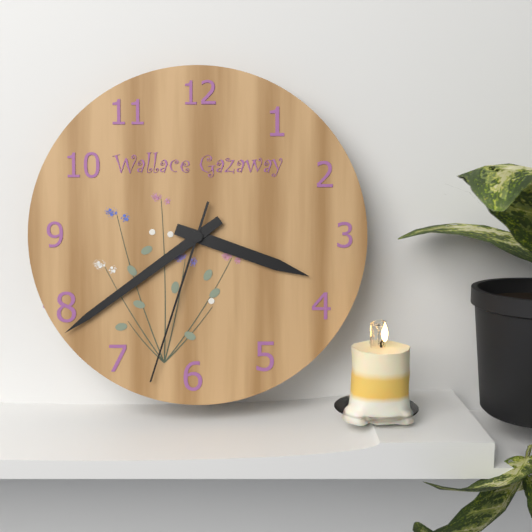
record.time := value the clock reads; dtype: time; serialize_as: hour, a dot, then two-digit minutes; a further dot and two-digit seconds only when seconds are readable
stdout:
3.39.33
